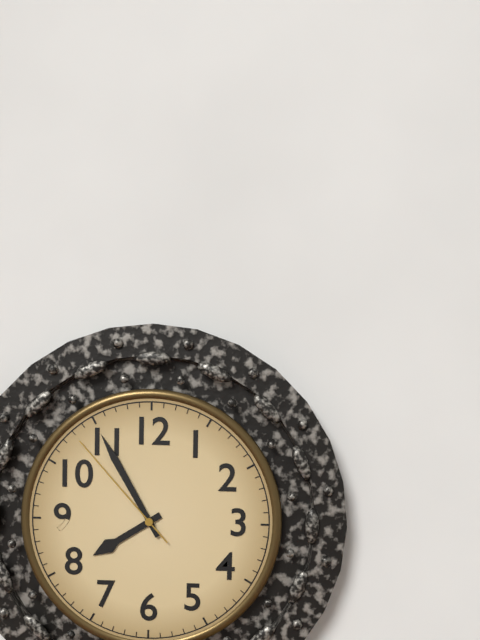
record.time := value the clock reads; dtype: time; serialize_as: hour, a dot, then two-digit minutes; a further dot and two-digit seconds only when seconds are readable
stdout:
7.55.53
